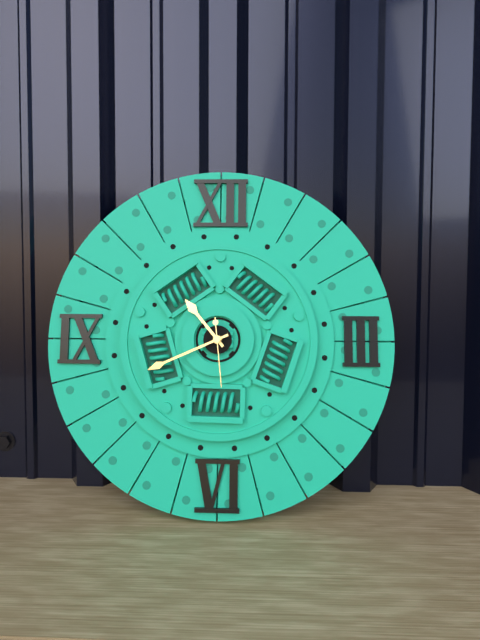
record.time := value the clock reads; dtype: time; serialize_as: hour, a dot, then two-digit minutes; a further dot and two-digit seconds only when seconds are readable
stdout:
10.41.29
